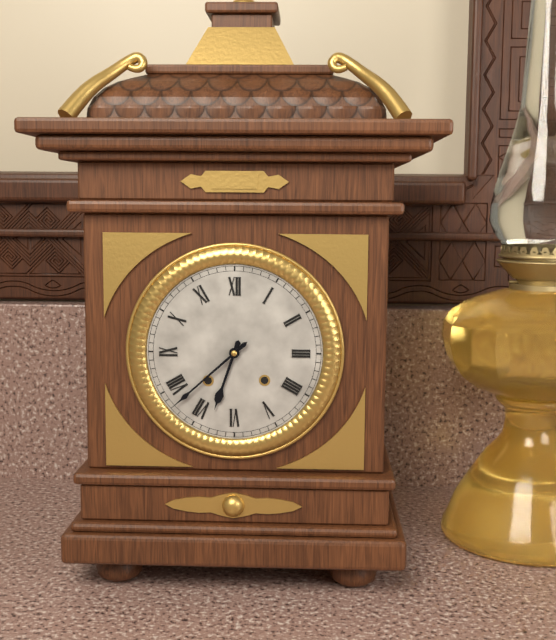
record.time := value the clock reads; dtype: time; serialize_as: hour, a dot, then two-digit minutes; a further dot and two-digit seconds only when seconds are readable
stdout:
6.38
